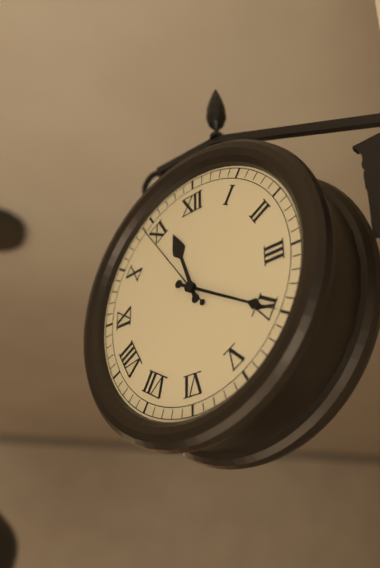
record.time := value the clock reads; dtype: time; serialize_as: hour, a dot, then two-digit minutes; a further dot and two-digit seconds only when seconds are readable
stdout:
11.20.54
